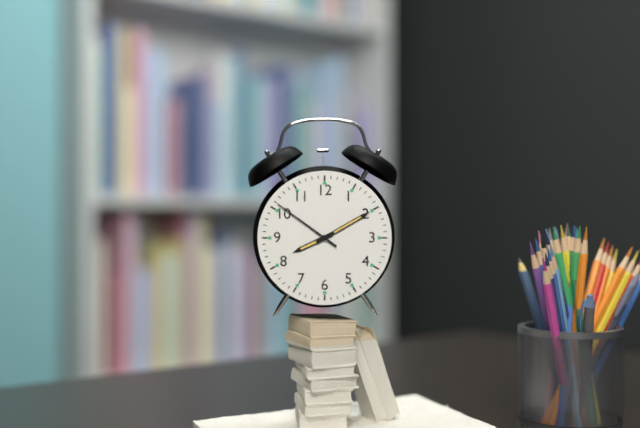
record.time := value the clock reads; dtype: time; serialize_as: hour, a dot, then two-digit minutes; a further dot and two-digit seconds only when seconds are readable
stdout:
8.10.51
